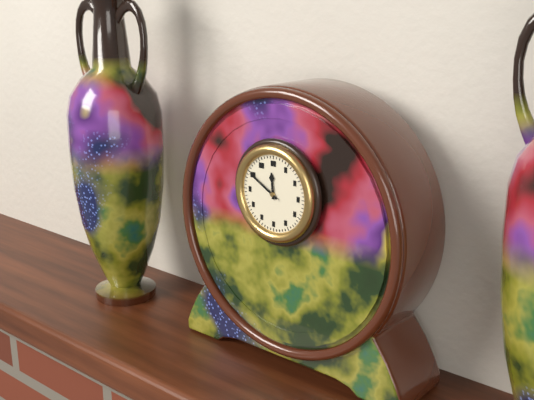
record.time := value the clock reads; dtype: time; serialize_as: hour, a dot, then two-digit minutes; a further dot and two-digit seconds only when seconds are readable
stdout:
11.50
